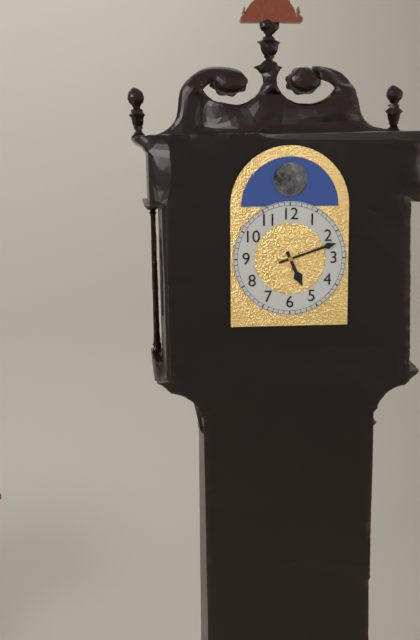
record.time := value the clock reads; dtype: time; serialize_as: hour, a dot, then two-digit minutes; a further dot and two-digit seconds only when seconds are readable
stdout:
5.12
